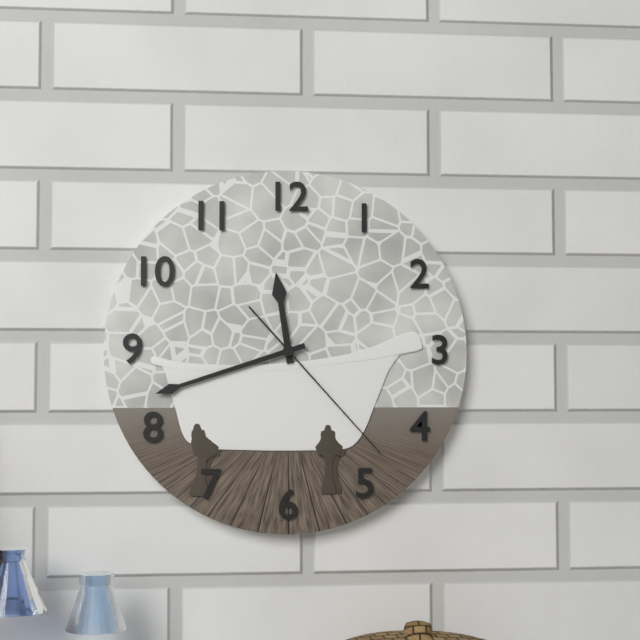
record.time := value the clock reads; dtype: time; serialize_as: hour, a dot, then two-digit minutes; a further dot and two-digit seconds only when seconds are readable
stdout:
11.42.23
